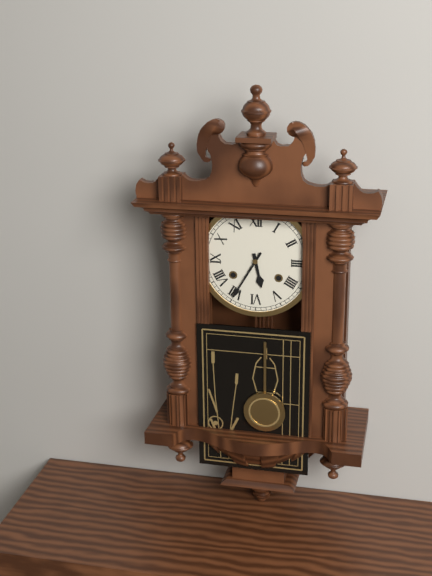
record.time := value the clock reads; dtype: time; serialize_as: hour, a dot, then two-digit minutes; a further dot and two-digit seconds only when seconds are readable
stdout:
5.35
